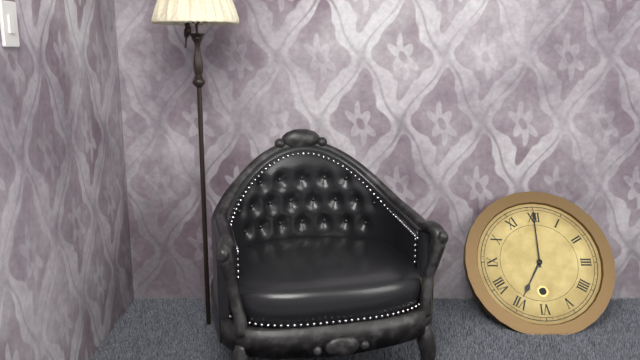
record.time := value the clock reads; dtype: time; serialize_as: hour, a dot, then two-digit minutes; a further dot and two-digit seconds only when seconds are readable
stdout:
7.00
